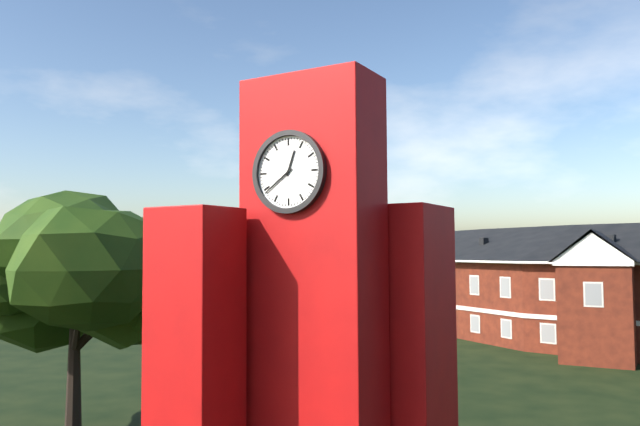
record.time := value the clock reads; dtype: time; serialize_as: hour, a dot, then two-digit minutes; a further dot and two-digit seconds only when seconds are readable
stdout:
12.39
